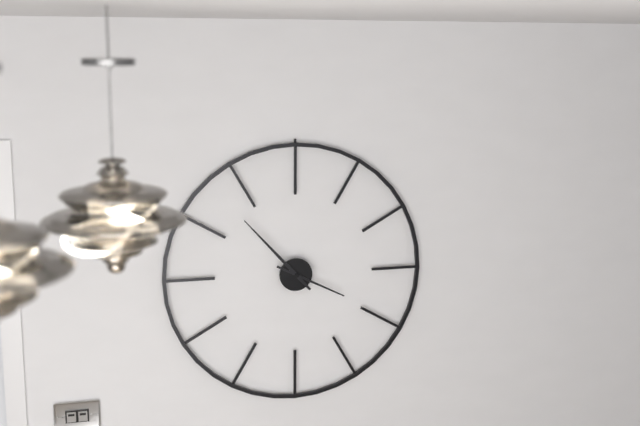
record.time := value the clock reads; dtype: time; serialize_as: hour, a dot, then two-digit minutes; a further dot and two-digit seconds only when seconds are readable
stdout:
3.53
